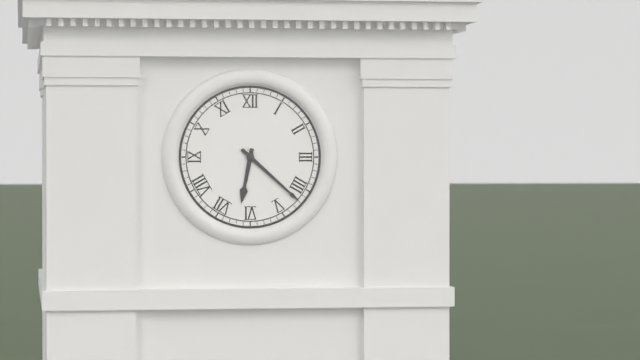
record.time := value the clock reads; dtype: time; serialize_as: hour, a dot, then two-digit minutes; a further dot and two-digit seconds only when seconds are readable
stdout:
6.22
